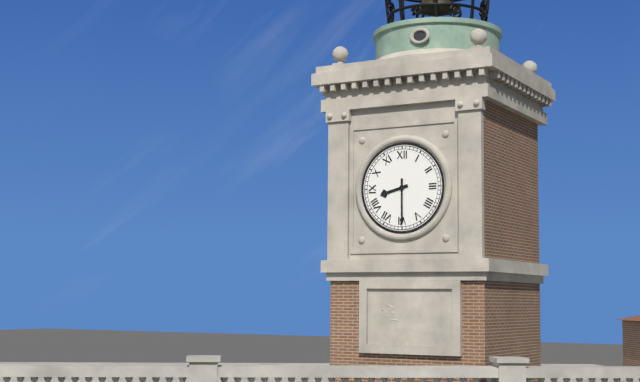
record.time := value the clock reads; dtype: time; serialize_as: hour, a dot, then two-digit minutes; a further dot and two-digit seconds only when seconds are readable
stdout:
8.30
